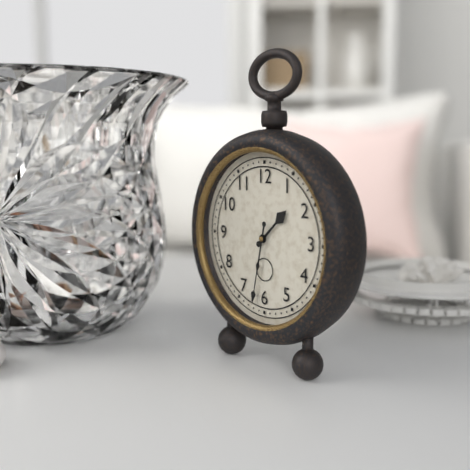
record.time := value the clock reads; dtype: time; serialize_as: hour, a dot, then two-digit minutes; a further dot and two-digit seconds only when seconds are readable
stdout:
1.32
